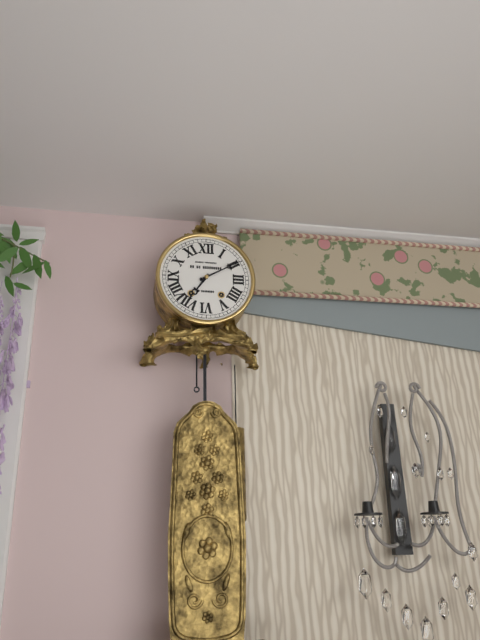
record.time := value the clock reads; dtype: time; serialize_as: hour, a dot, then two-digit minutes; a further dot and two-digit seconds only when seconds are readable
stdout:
7.10
